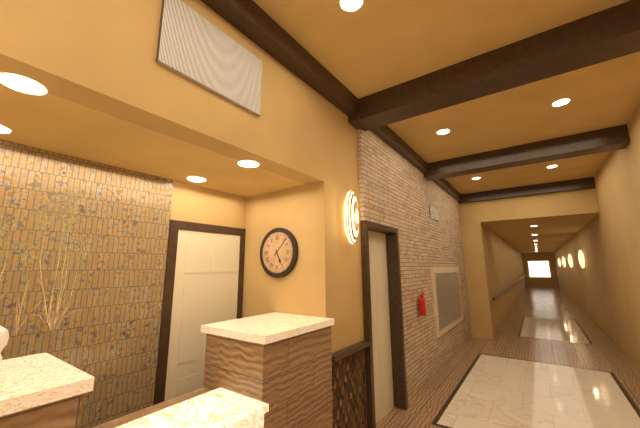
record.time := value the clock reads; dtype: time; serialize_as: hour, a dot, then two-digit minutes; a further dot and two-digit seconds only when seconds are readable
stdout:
5.07
